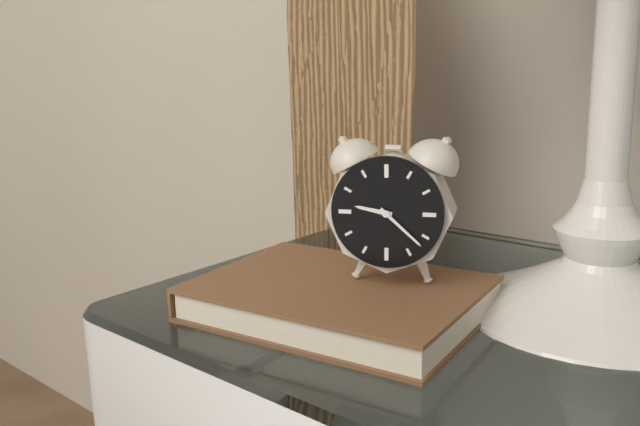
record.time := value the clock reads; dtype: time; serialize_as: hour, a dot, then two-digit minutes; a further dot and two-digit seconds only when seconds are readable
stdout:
9.22
